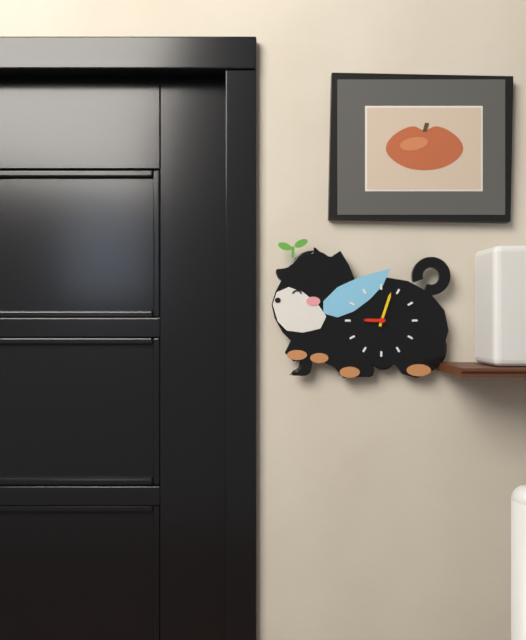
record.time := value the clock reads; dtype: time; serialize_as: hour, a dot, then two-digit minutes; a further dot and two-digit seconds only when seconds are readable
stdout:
9.03
